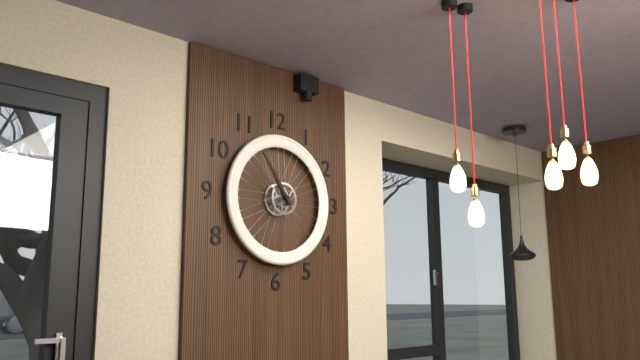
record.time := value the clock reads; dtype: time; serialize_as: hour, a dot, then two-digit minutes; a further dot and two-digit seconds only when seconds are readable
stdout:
10.54
